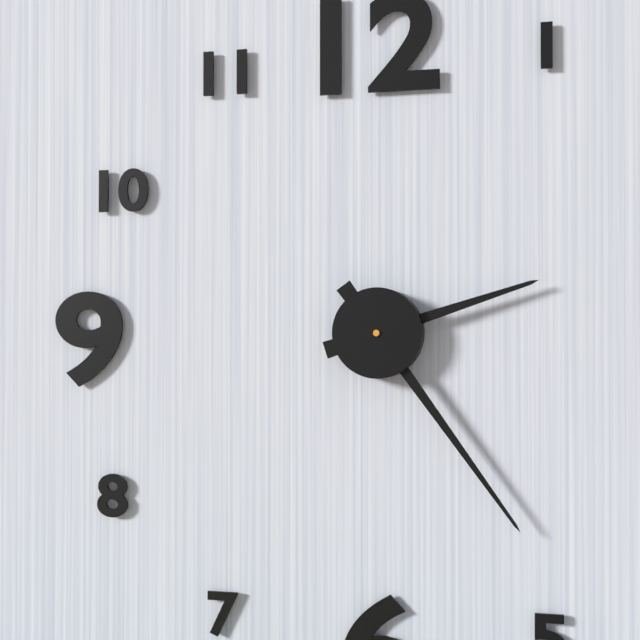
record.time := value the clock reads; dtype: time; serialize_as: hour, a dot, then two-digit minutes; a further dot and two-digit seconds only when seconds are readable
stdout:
2.24
